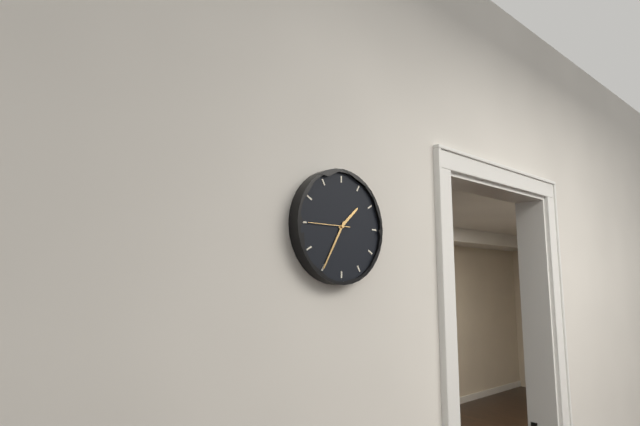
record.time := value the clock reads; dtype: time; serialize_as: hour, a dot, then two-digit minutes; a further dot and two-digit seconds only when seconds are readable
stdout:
1.35
